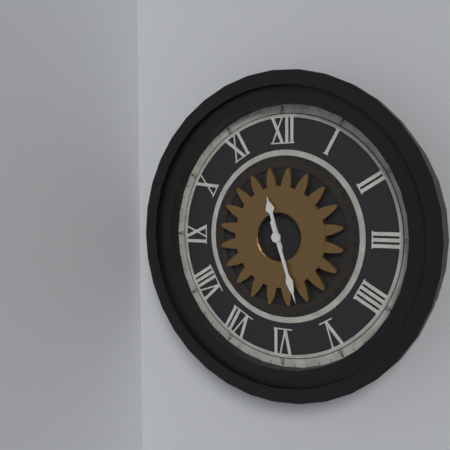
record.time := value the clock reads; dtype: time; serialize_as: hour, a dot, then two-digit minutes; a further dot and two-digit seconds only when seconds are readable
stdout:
11.27
